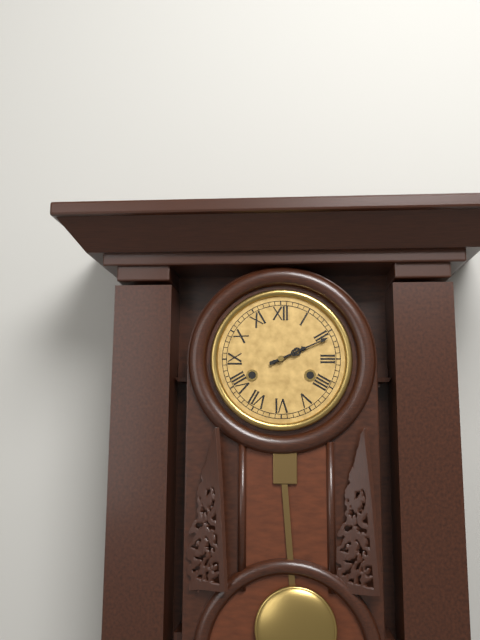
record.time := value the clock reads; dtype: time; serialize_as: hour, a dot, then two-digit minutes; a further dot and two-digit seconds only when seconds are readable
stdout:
2.11
